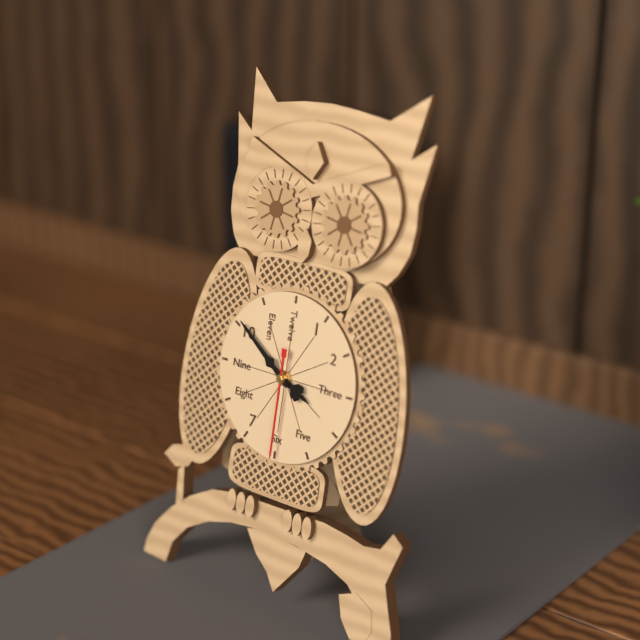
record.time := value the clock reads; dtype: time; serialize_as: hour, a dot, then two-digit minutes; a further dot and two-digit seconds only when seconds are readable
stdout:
3.51.30
